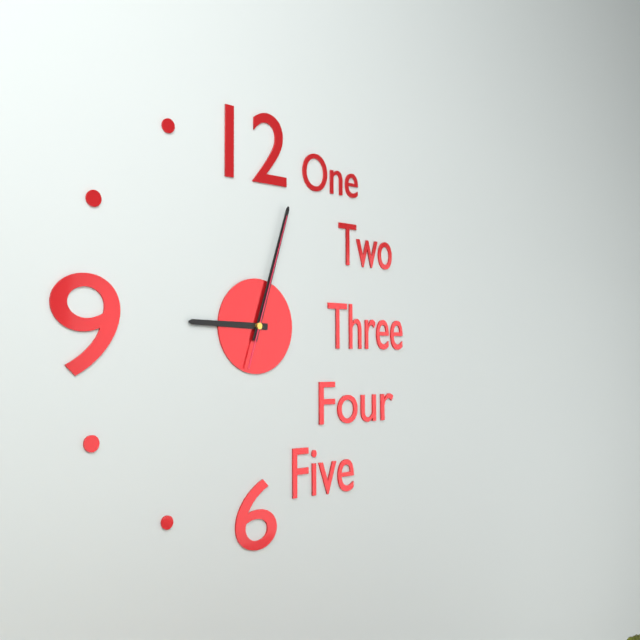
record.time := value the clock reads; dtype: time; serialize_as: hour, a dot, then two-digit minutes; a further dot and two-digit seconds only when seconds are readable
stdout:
9.03.03
